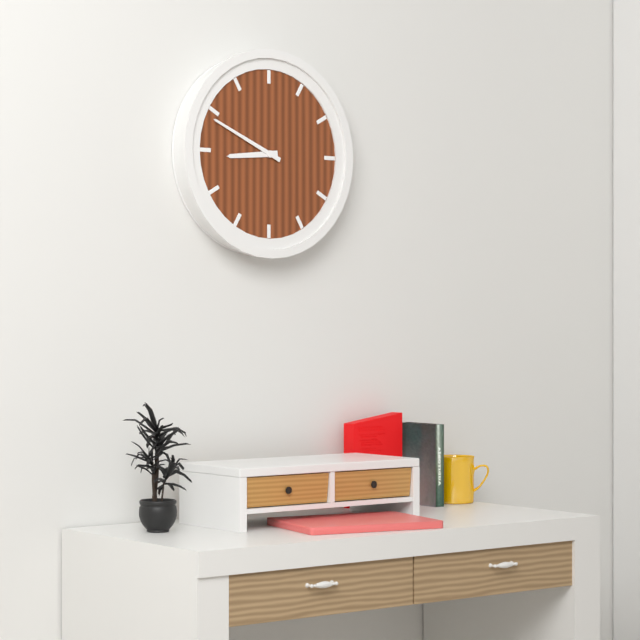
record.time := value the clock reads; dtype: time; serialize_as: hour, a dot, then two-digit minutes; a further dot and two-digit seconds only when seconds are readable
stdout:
8.49
